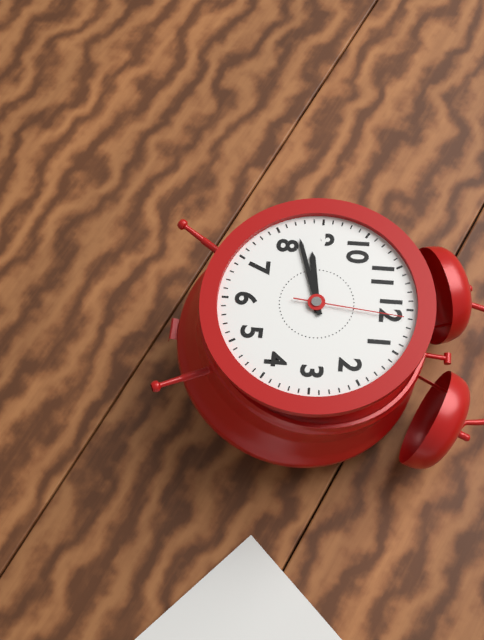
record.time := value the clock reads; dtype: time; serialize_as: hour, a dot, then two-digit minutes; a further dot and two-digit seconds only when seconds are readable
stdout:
8.42.01
